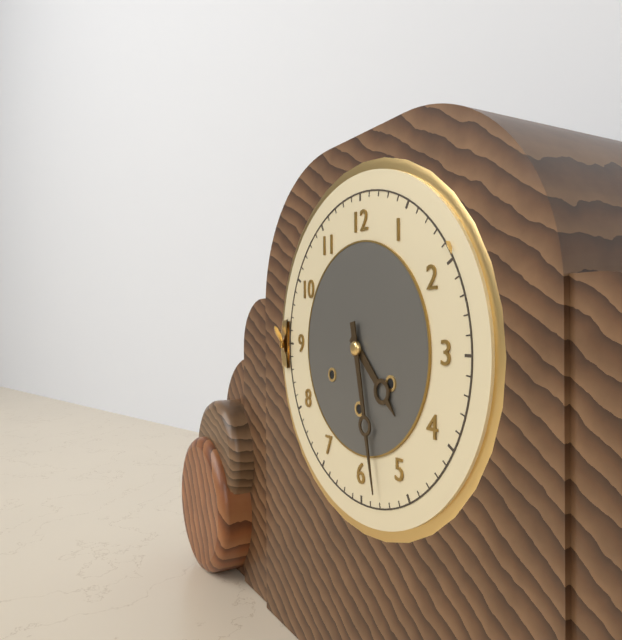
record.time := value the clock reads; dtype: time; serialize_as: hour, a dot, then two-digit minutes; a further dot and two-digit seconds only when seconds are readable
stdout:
4.28
